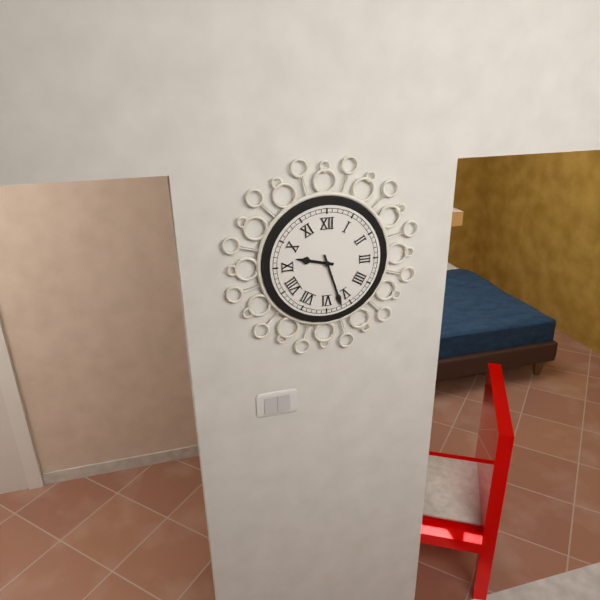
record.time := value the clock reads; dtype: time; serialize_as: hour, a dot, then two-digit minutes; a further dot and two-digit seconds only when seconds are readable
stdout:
9.27
